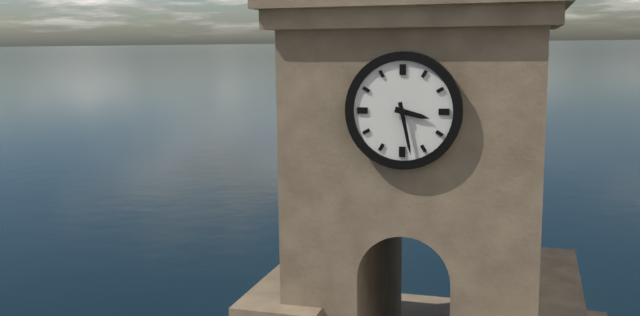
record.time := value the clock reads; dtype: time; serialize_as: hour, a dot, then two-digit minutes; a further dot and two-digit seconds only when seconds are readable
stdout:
3.28
